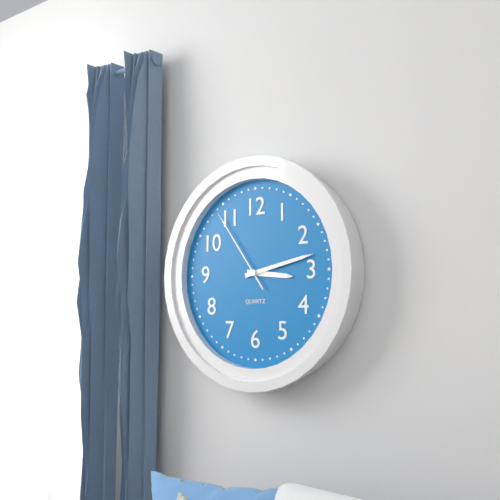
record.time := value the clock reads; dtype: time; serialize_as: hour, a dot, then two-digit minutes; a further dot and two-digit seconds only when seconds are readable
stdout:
3.13.54
